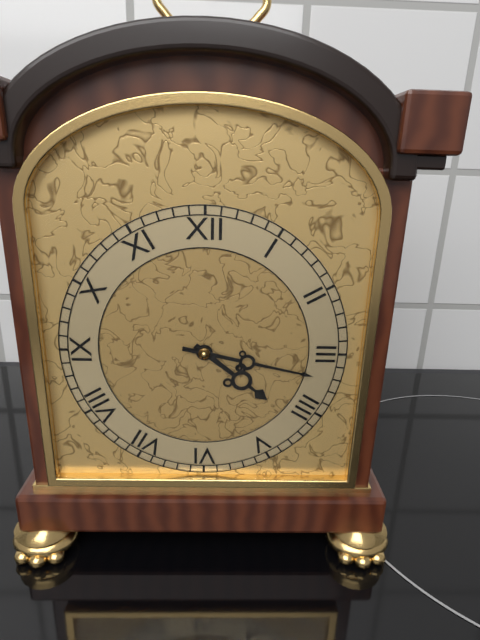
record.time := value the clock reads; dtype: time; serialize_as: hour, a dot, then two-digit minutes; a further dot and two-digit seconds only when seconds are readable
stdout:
4.17
